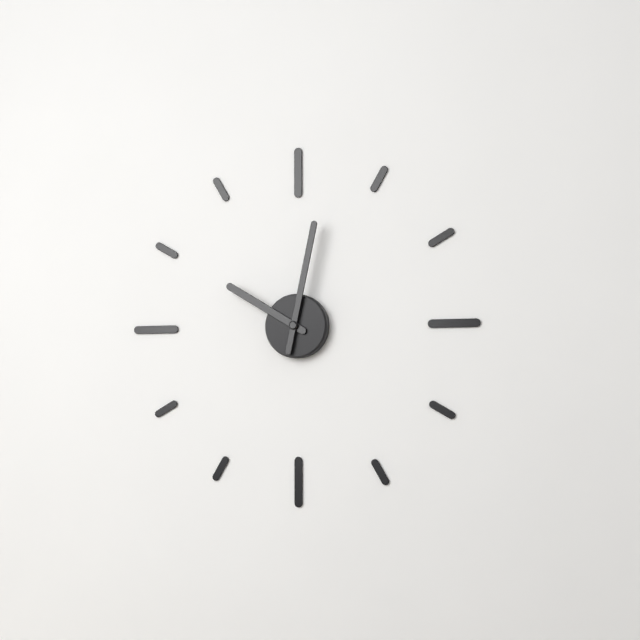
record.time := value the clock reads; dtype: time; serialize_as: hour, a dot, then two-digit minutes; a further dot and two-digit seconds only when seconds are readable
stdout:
10.02
